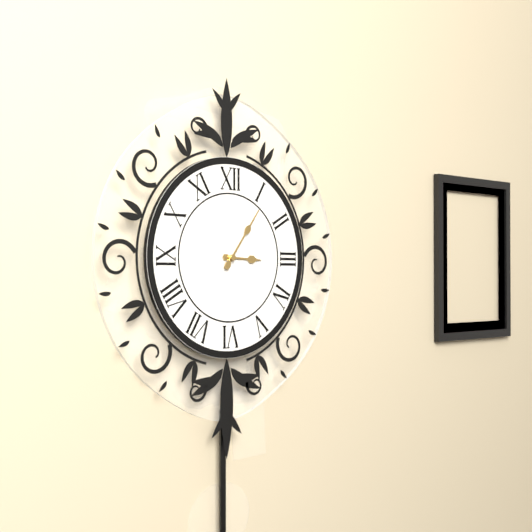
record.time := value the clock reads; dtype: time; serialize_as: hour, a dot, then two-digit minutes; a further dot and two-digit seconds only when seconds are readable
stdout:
3.06
